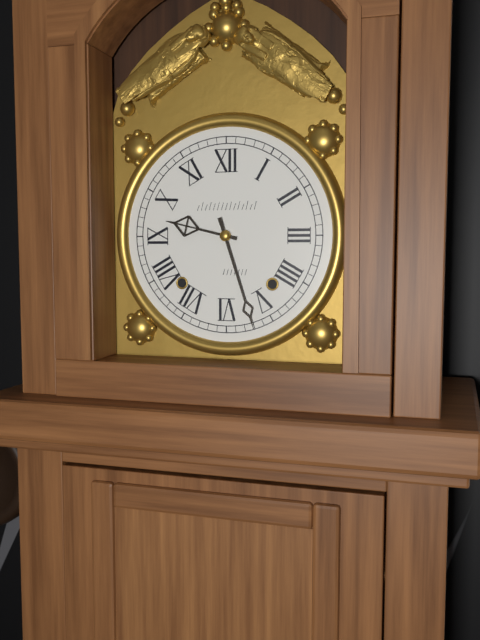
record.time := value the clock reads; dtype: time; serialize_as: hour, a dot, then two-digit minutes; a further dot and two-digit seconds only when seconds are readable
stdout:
9.27
